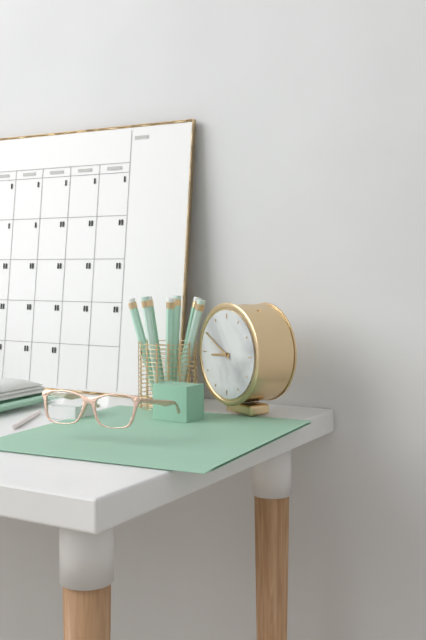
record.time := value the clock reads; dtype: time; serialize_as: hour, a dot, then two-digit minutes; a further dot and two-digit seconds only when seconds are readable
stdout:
8.50
